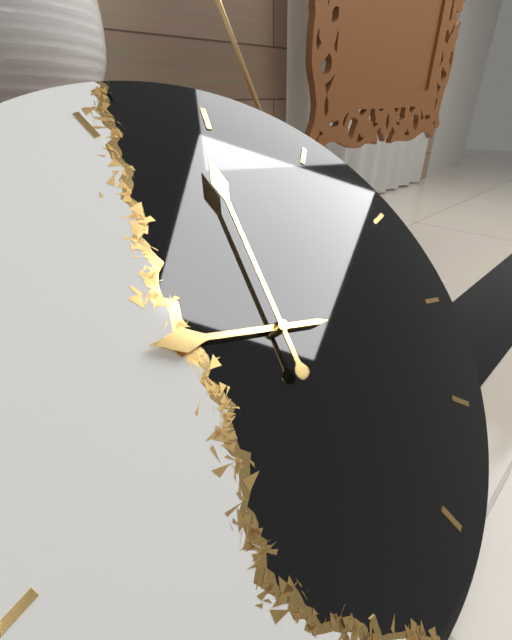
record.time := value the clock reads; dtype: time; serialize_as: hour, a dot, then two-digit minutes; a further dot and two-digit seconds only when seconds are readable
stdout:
10.04
